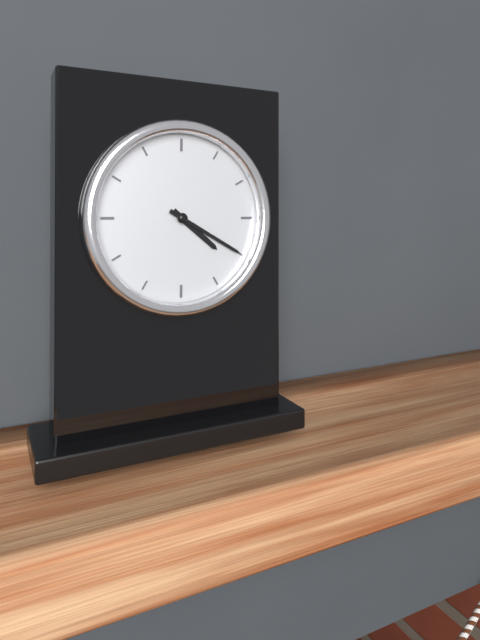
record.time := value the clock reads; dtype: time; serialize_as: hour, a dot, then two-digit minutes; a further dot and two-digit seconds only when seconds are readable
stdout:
4.20
